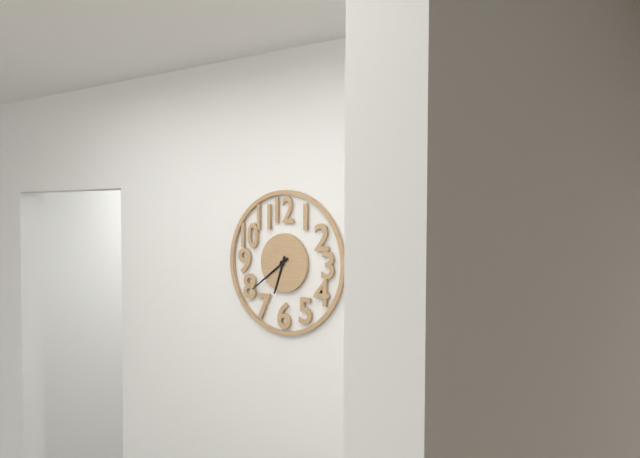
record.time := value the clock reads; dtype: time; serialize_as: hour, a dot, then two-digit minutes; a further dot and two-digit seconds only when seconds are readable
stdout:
6.39
